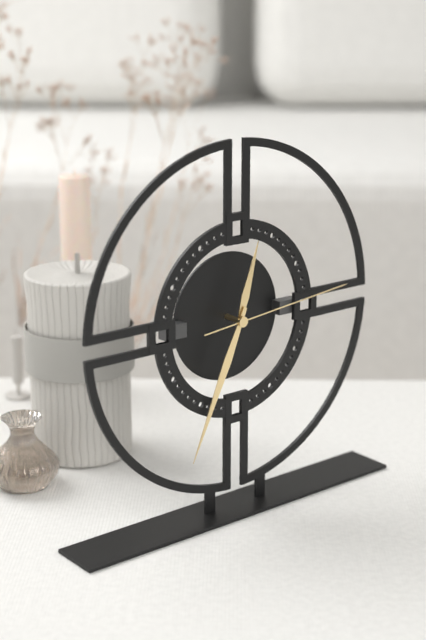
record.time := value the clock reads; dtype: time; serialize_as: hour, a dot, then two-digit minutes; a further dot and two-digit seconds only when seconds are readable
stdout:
12.34.14
